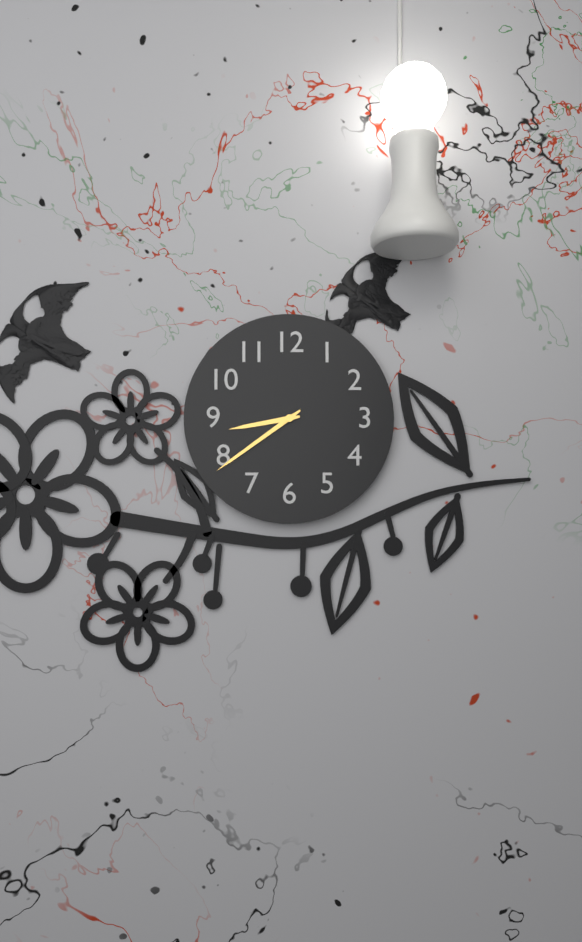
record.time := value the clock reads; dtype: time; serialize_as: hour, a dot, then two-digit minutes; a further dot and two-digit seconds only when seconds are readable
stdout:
8.39
